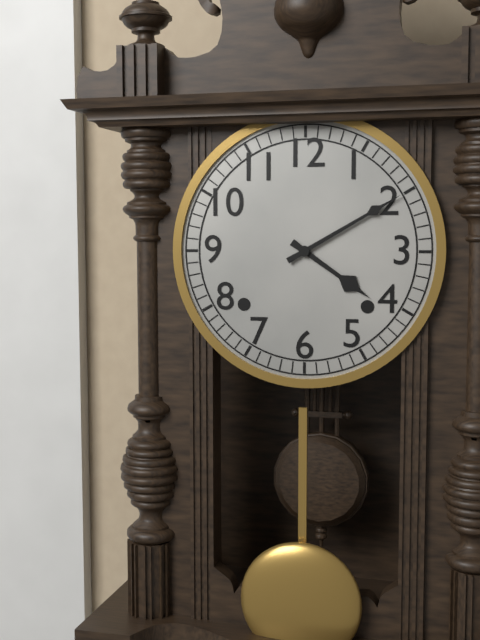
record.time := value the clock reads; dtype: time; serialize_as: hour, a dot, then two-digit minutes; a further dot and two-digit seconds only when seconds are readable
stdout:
4.10
